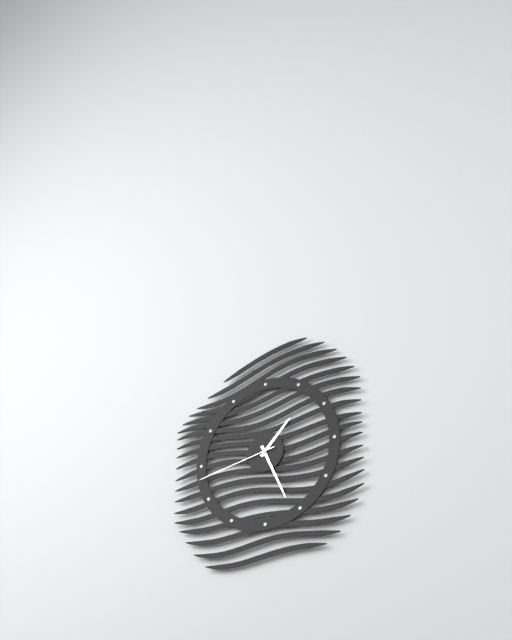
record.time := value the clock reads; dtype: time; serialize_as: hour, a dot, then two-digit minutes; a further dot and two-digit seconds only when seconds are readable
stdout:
1.26.43
